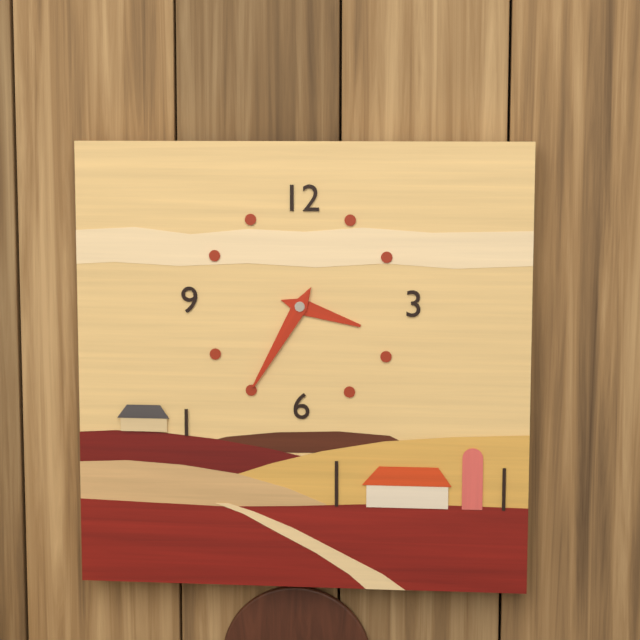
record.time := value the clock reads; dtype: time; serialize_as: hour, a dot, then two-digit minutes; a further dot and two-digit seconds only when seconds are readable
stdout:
3.35
